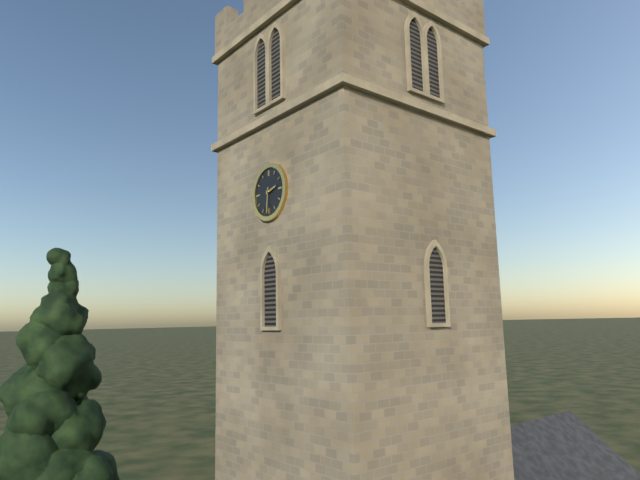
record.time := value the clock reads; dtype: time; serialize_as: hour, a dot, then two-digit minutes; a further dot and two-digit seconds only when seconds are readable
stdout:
2.31
